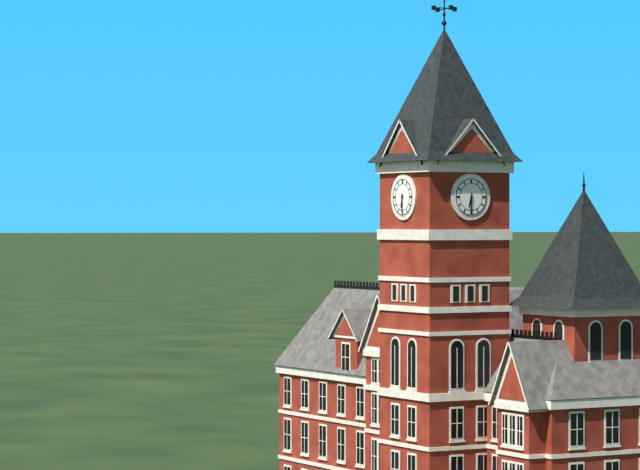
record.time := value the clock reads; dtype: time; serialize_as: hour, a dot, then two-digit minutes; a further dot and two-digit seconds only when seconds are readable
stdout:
6.30
